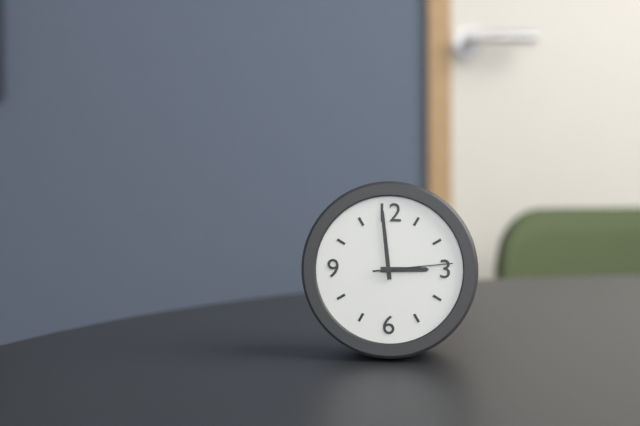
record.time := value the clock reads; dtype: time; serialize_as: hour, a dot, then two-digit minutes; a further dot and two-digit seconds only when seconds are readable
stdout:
2.59.14
